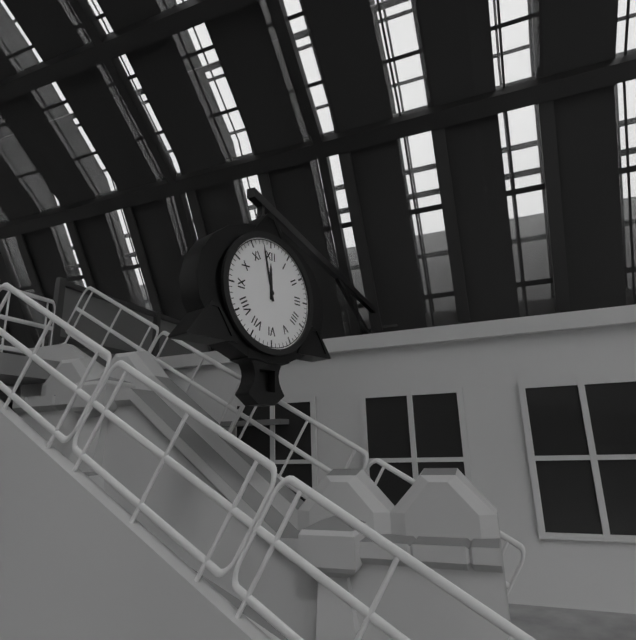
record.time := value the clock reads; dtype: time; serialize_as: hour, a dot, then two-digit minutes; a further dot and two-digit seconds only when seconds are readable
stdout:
11.58
